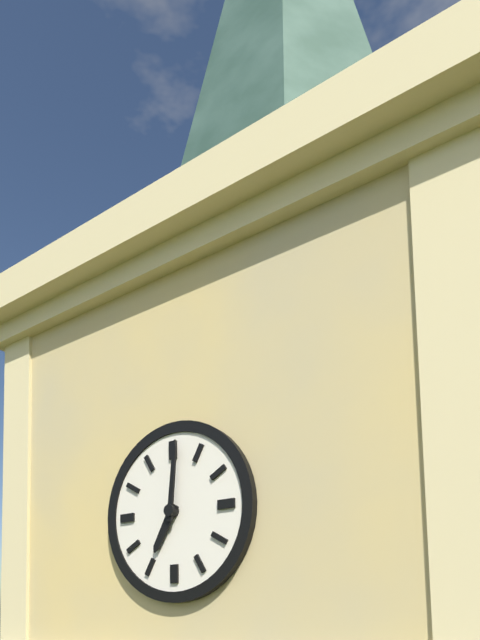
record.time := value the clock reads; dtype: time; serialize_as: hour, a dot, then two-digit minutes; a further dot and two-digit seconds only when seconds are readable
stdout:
7.01
